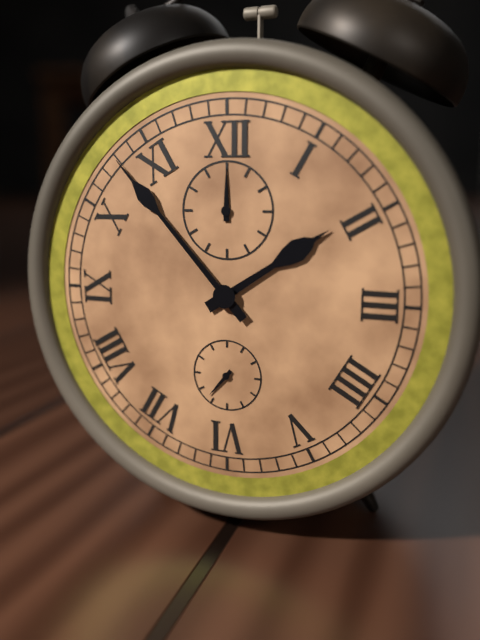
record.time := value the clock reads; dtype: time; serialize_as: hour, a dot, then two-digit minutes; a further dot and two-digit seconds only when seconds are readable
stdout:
1.53
